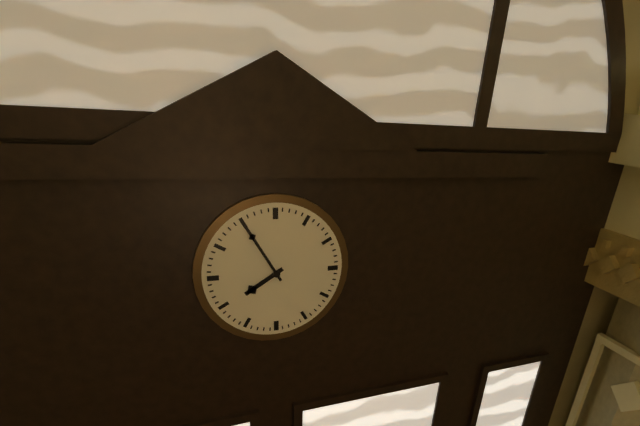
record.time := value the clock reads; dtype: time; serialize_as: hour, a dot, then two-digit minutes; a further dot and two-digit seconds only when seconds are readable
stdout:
7.55
